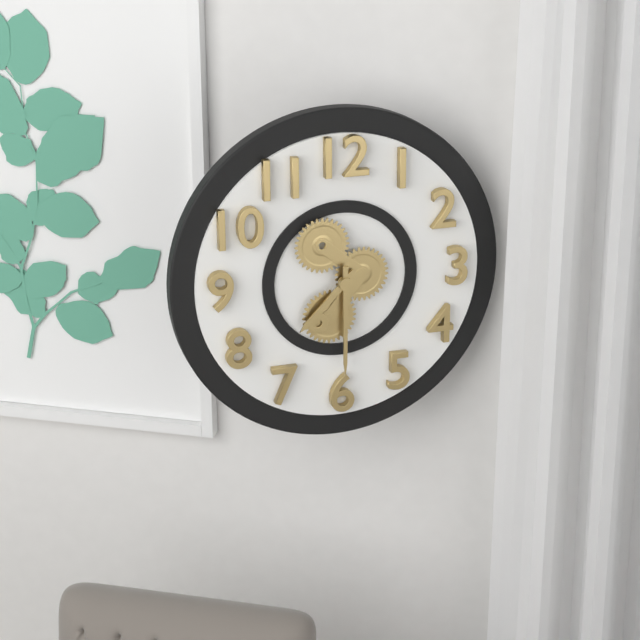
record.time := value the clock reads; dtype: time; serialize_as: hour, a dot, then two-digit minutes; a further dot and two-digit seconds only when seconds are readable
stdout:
7.30
